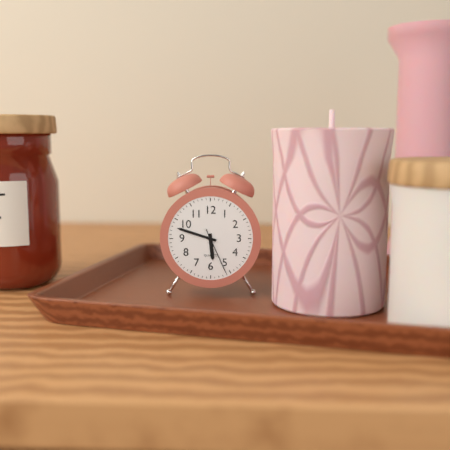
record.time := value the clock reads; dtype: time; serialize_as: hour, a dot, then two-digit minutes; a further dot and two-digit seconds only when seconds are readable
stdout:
5.48
